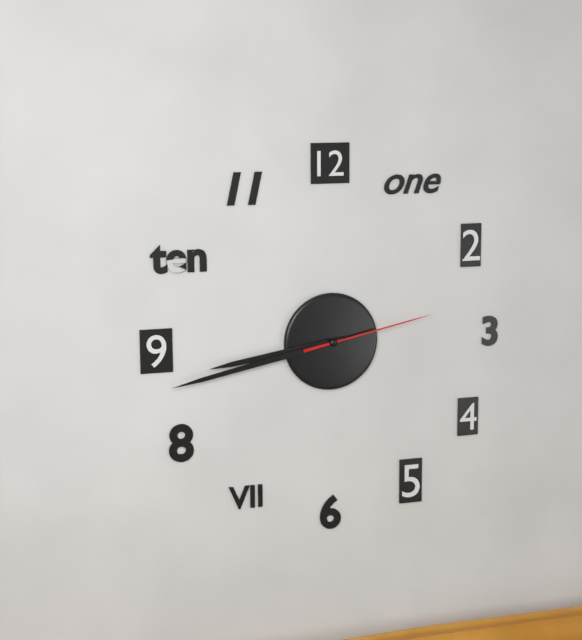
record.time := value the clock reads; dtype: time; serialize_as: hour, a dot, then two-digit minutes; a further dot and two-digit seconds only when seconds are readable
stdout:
8.43.13
